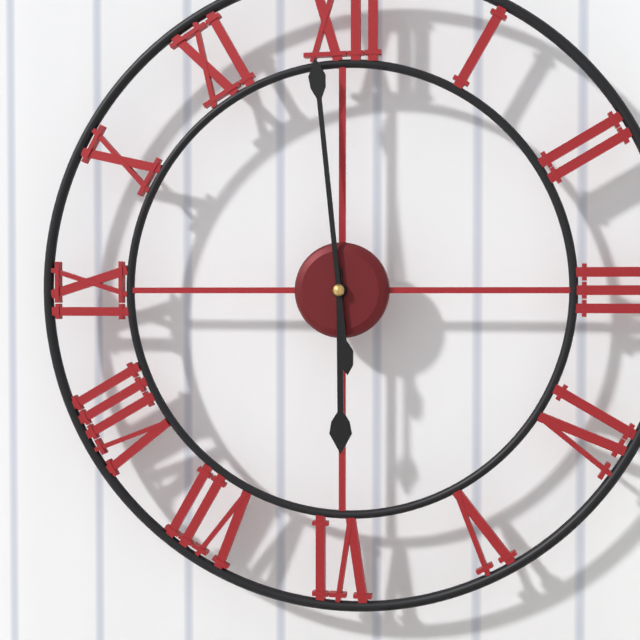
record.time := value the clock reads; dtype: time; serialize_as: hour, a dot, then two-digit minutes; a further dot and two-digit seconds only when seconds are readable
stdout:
5.59
